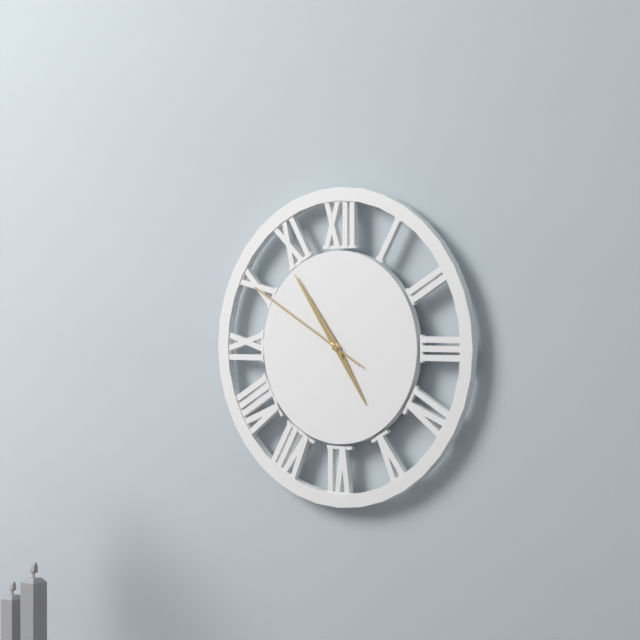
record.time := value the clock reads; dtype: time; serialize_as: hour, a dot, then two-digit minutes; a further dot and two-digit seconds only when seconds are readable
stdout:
4.54.50
